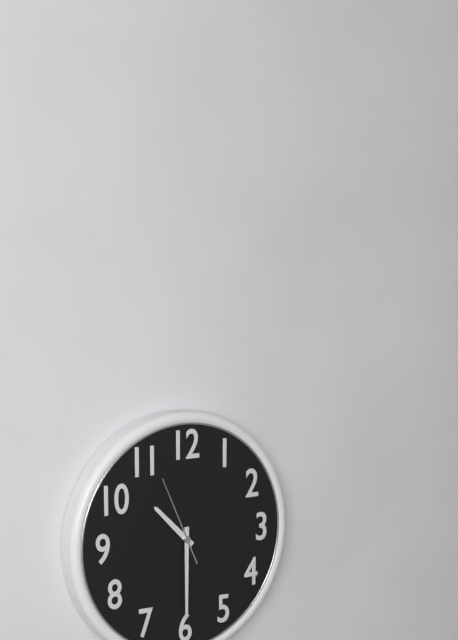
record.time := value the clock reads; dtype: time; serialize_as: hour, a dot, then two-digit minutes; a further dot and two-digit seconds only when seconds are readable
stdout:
10.30.56
